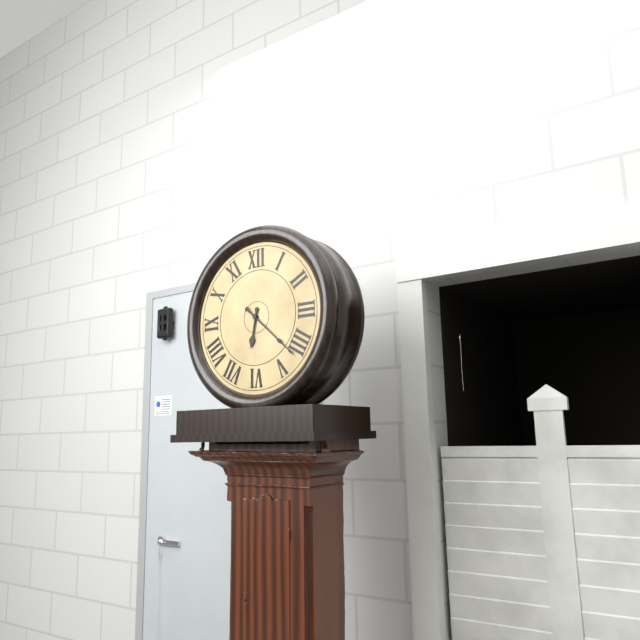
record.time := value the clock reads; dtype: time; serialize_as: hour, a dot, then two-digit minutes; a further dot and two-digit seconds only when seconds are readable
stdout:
6.22
